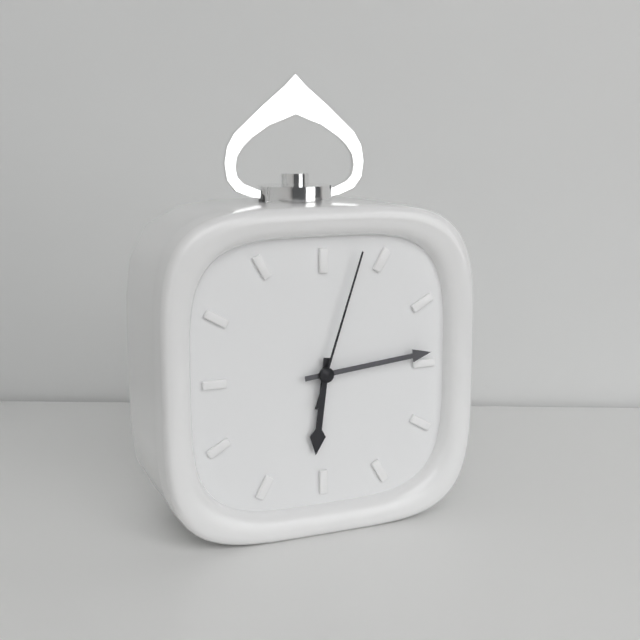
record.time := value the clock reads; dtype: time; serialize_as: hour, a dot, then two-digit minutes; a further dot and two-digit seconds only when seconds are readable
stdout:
6.14.03
